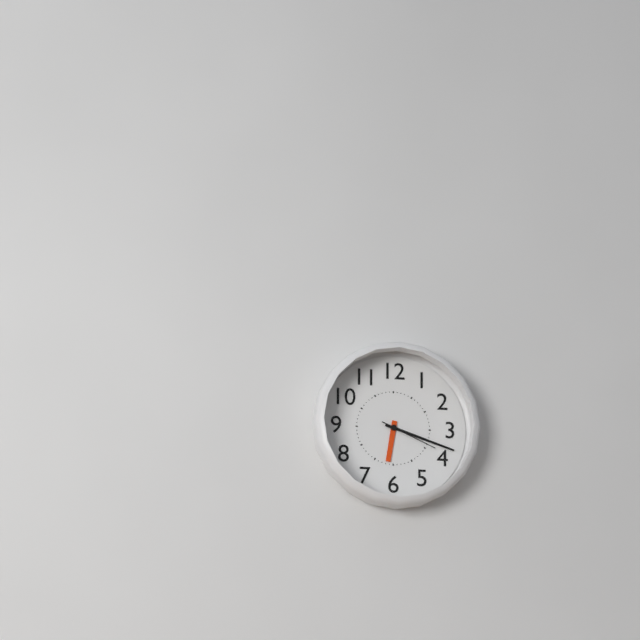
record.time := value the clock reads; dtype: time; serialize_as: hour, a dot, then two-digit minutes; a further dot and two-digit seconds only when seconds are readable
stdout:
6.18.19
